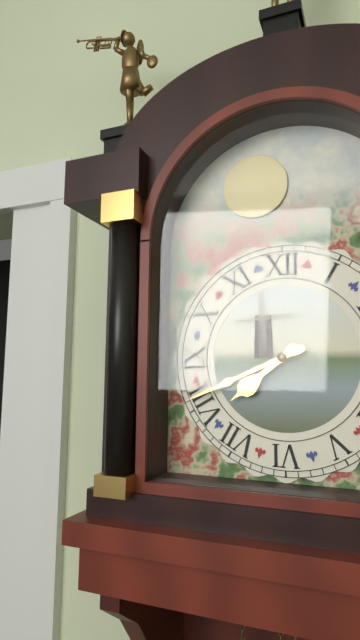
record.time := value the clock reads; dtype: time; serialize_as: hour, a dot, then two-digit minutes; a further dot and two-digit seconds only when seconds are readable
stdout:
7.41
